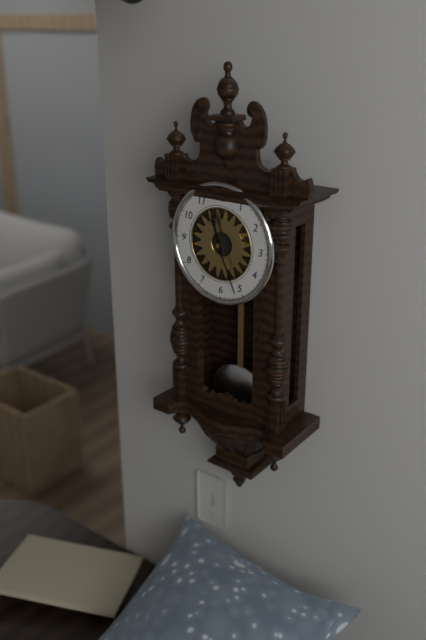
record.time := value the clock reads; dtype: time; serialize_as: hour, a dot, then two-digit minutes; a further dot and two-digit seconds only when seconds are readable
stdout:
11.26
